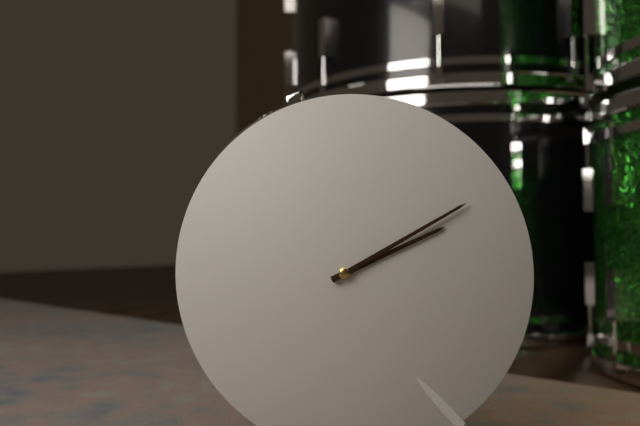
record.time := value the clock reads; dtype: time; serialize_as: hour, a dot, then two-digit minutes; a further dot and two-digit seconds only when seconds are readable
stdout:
2.10
